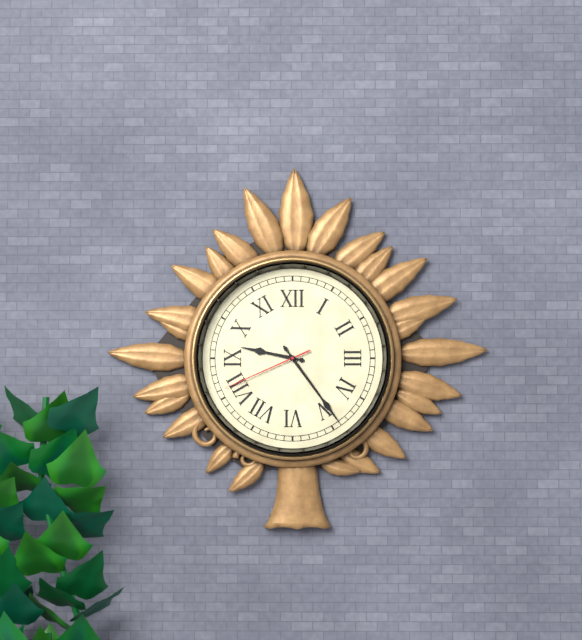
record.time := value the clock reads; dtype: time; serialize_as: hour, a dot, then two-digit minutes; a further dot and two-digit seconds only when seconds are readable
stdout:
9.24.41
